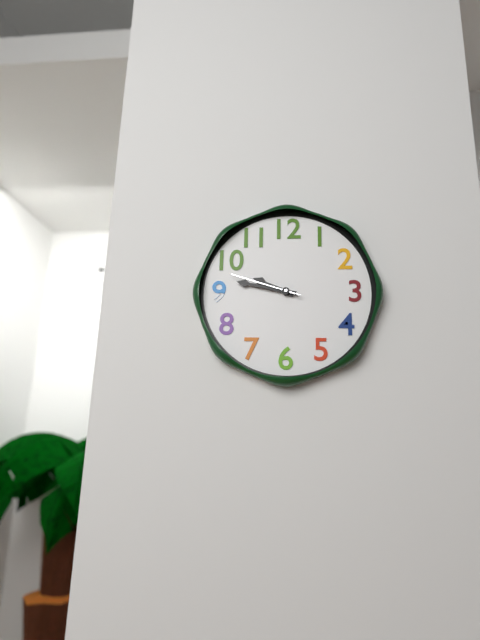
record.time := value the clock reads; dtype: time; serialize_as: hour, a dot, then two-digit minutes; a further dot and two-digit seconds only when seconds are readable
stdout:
9.47.48
